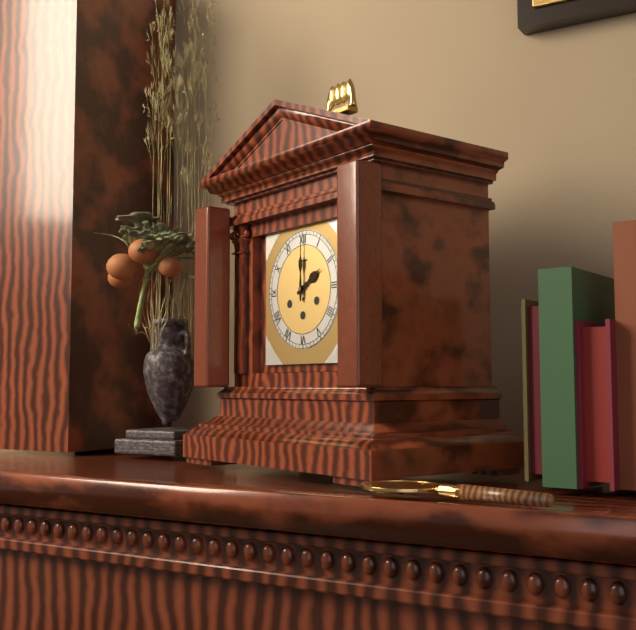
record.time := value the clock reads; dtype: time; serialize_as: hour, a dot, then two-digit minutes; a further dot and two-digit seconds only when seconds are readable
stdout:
2.00
